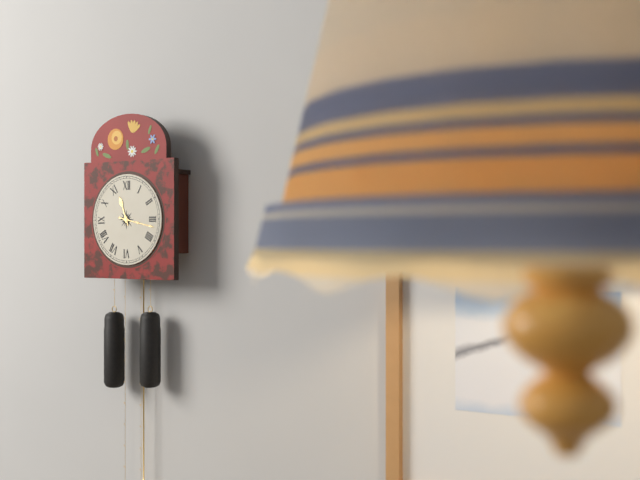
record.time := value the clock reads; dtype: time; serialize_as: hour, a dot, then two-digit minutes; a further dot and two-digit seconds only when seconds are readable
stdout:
11.17
